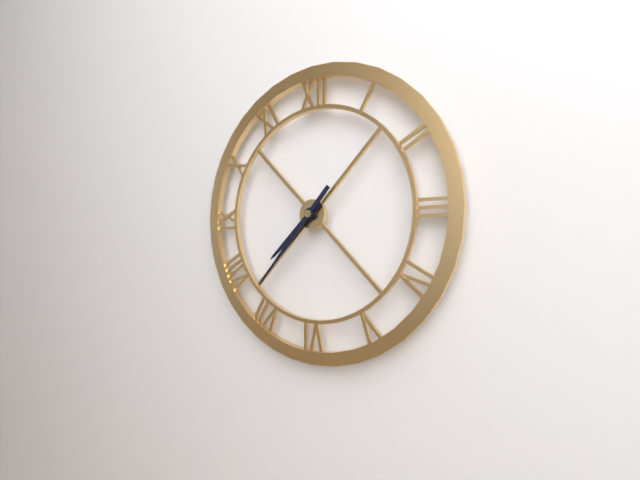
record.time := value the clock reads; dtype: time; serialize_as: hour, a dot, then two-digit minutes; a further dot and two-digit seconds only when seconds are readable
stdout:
7.37
